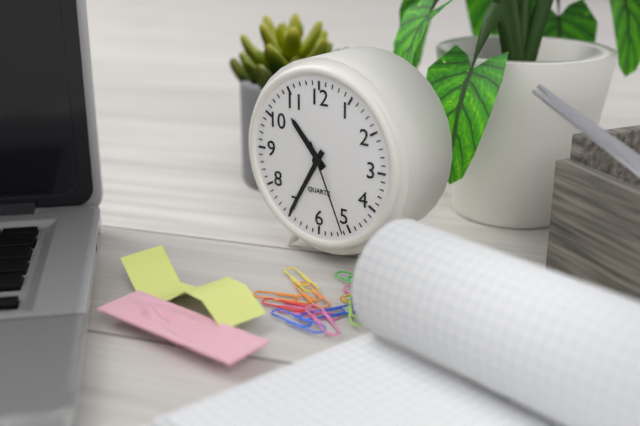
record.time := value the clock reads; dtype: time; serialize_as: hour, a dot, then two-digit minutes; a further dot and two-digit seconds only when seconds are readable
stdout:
10.35.26
